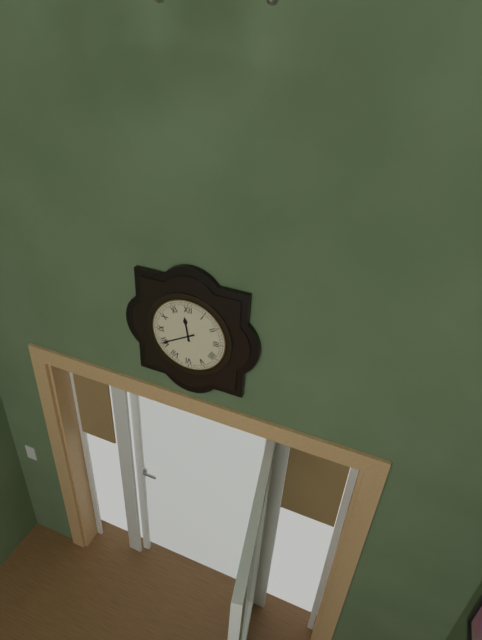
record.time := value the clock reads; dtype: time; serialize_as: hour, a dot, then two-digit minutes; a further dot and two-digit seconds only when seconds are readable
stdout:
11.40
